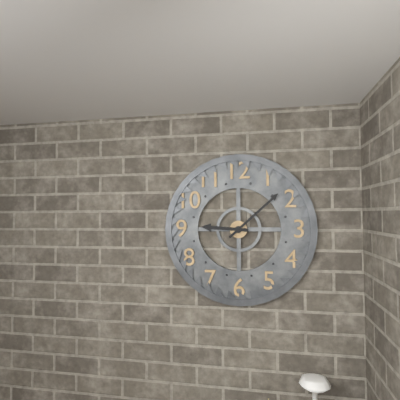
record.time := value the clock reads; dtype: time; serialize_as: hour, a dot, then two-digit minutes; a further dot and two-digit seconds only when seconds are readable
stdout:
9.08
